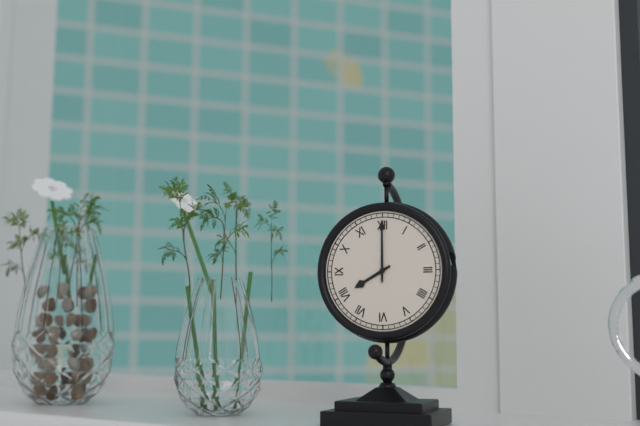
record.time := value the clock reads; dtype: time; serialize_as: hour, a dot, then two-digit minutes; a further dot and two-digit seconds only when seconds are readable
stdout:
8.00
